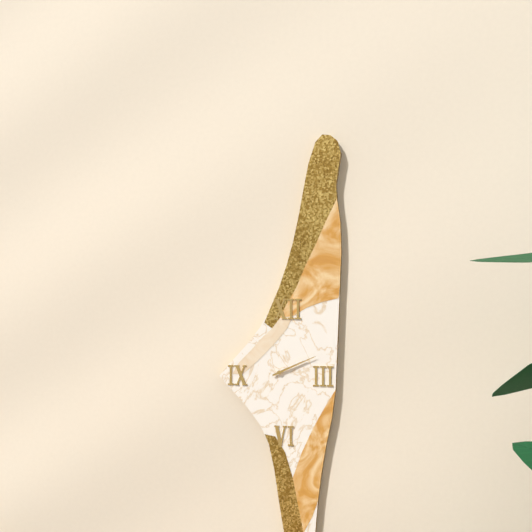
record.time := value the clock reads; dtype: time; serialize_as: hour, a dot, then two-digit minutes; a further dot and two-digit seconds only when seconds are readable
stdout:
2.11
